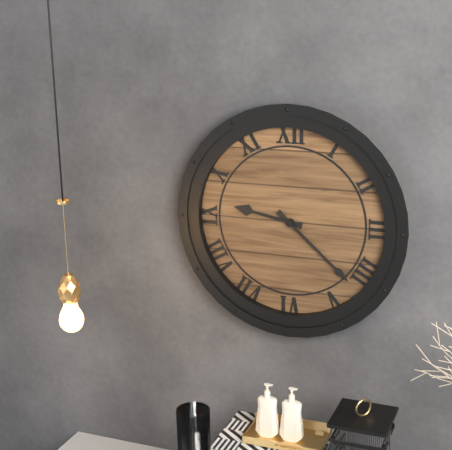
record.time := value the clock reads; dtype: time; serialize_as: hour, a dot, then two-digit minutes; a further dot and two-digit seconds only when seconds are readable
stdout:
9.22
